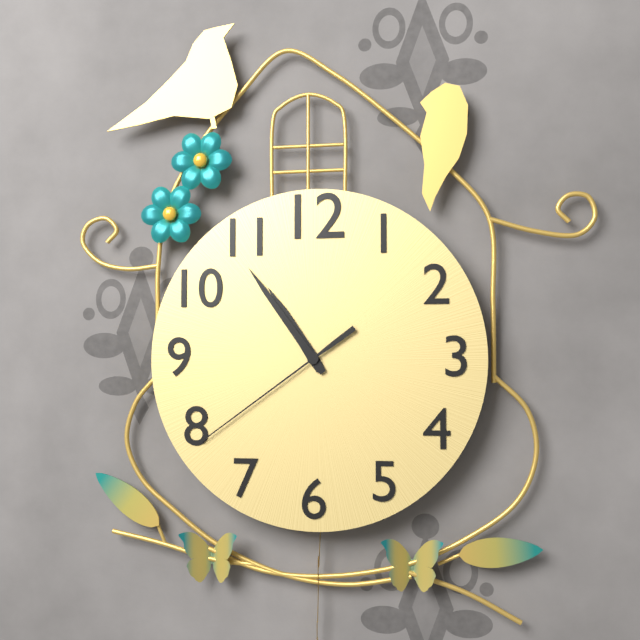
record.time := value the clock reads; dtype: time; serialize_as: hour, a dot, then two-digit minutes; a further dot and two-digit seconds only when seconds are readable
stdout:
10.54.39
